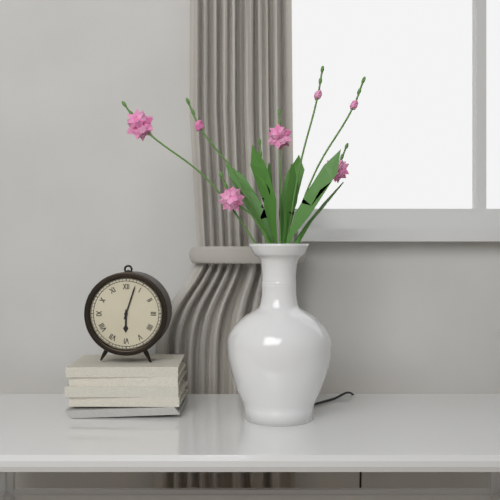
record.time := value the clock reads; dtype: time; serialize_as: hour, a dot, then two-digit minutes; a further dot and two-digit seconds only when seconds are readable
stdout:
6.03
